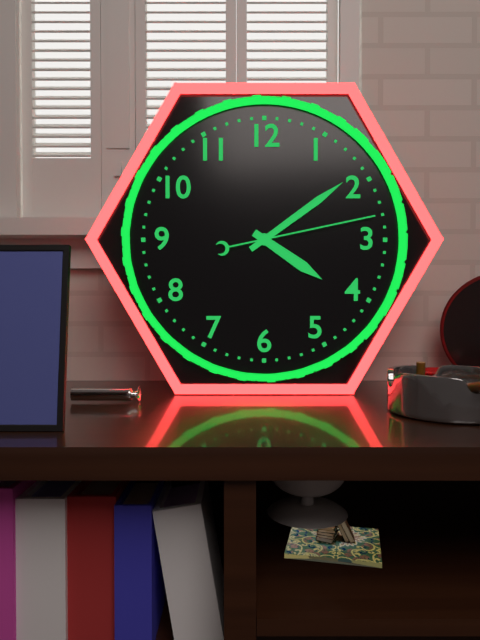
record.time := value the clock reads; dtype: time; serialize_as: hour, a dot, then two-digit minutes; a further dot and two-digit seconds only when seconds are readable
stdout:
4.09.13
